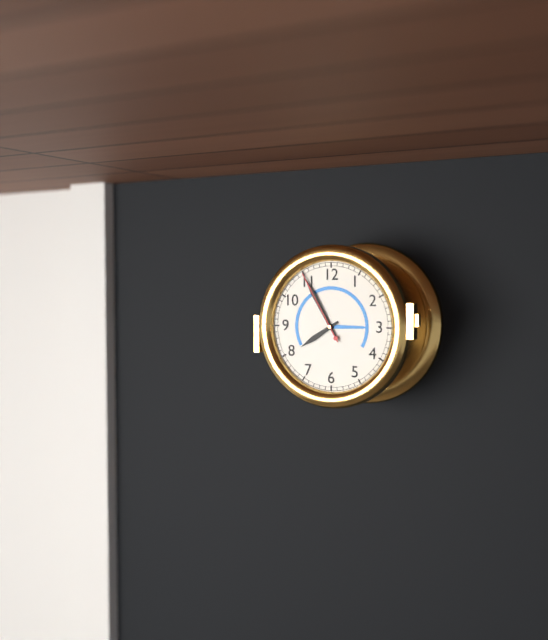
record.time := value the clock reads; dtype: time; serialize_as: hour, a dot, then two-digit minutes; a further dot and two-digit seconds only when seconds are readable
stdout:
7.55.55
